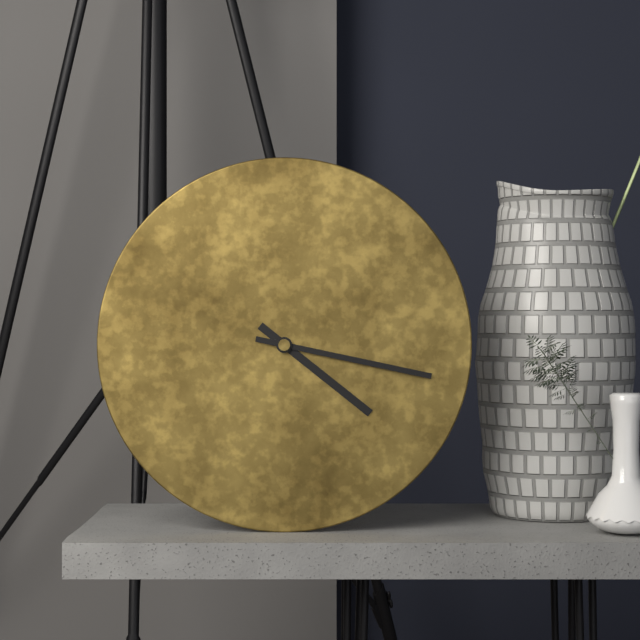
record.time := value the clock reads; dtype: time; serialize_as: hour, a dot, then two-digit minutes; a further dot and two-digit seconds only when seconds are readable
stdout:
4.17
